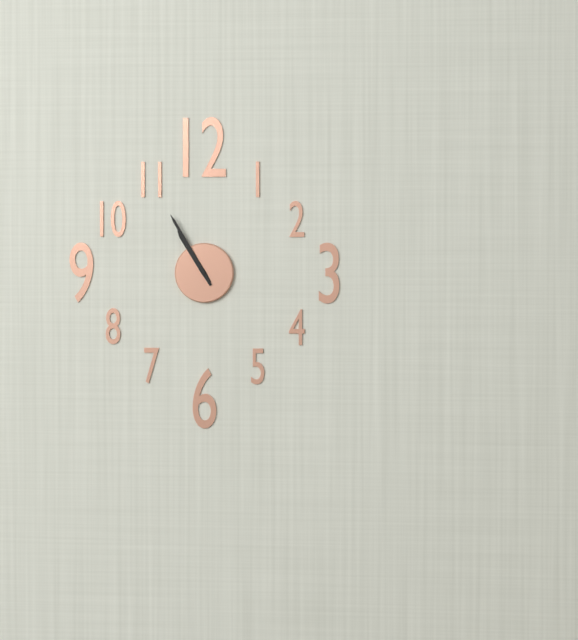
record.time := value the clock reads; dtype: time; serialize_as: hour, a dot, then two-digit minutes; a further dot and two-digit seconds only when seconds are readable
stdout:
10.55
